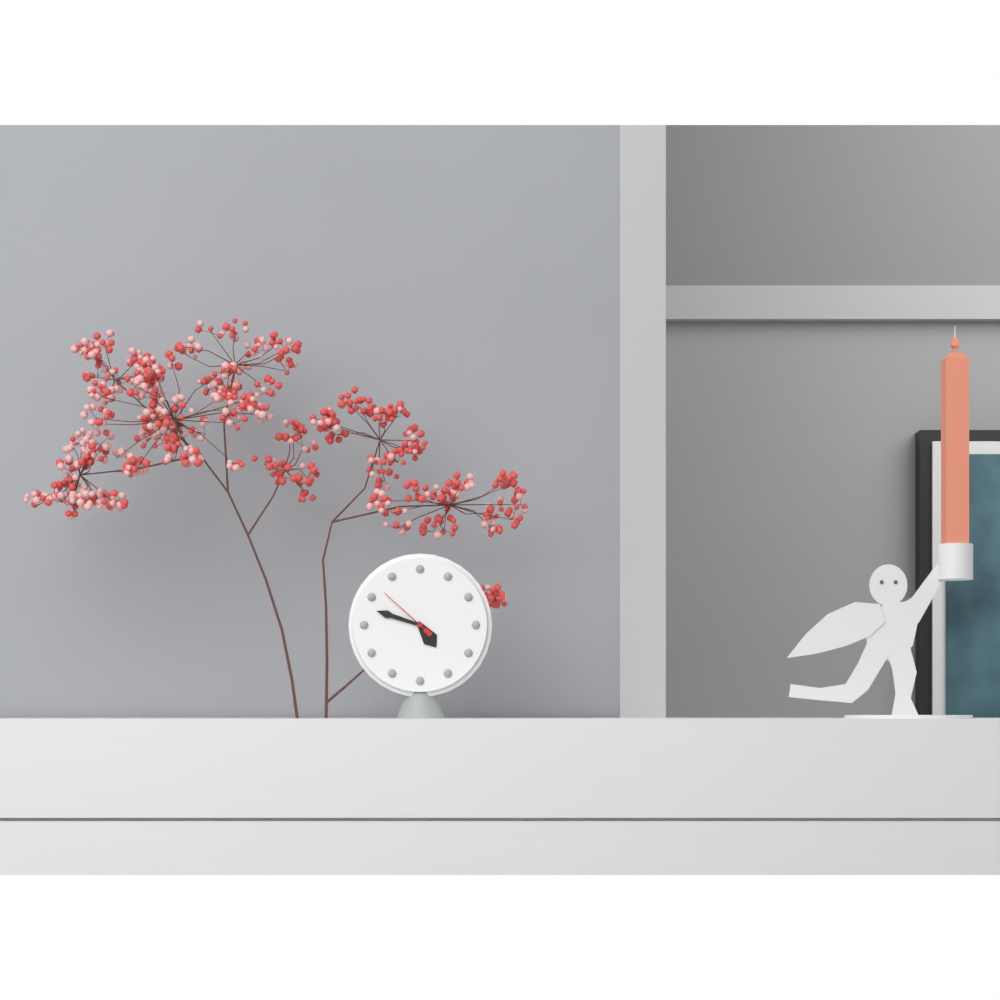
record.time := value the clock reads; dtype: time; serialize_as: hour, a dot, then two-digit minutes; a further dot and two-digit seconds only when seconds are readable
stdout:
4.48.52
